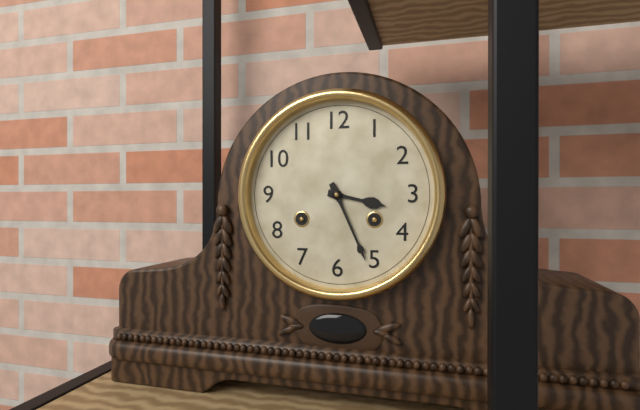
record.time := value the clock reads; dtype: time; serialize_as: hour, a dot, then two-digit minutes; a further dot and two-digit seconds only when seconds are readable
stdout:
3.26
